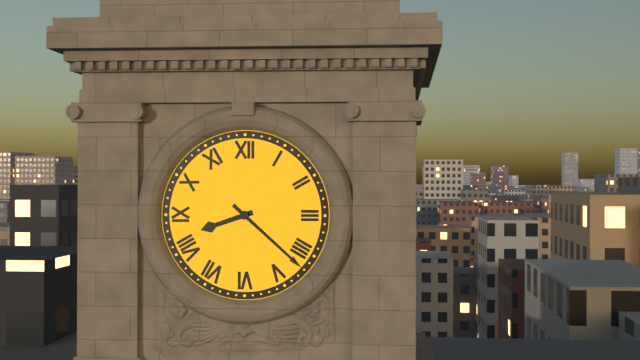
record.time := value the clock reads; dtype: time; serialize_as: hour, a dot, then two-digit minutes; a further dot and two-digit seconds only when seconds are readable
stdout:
8.22
